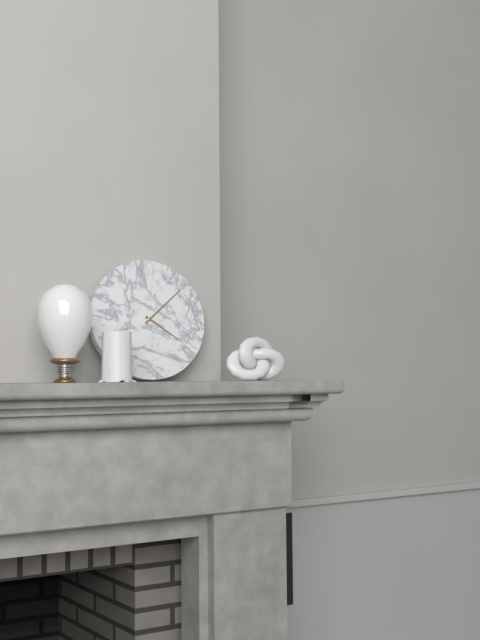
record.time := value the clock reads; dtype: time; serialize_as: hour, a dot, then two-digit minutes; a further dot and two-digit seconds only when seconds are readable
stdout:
4.08
